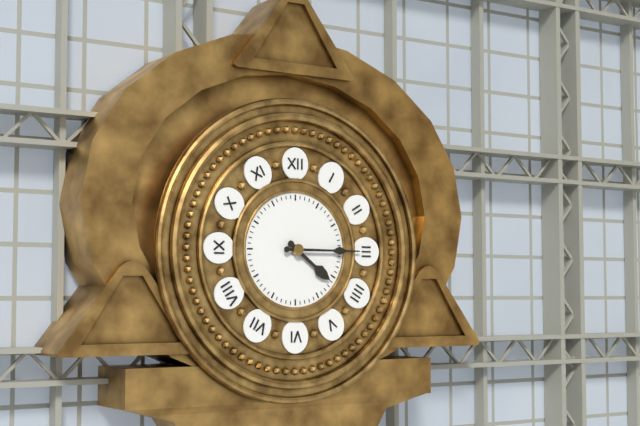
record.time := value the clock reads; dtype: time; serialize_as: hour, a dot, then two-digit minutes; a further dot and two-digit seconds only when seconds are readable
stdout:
4.15
